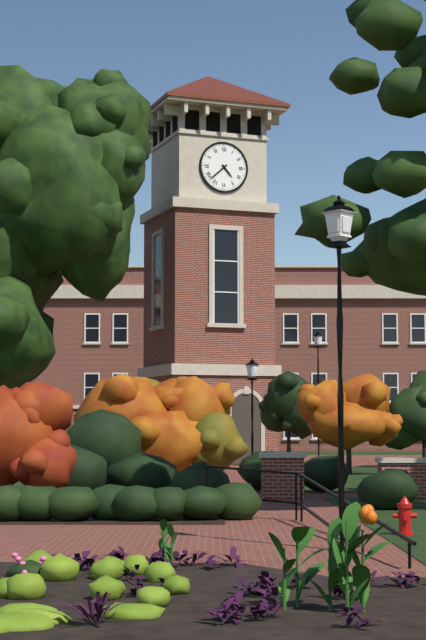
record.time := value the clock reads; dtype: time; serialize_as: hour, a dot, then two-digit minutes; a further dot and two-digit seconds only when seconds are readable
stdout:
4.38
